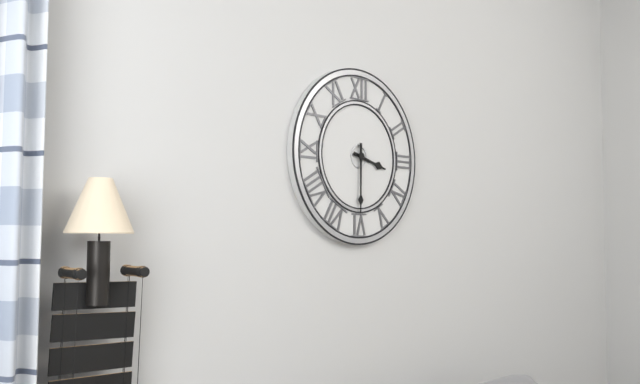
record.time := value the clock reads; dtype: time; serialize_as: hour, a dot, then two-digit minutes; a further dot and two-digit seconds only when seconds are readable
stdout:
3.30
